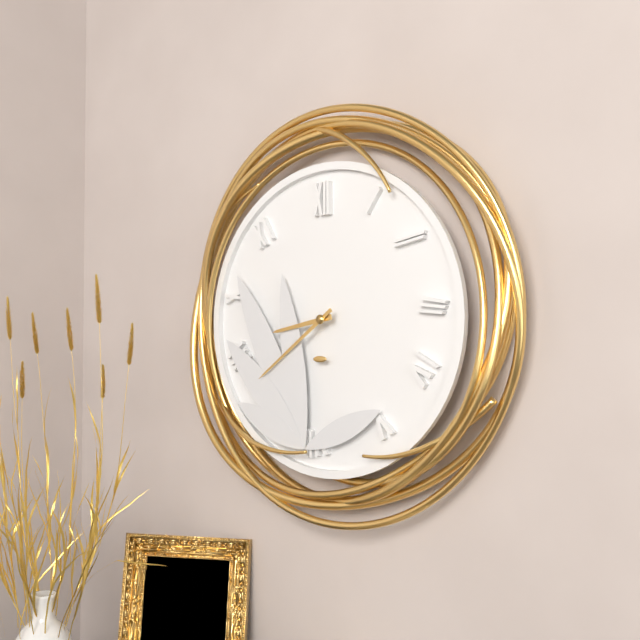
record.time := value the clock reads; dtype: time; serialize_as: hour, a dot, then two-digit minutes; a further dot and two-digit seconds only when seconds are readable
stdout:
8.39
